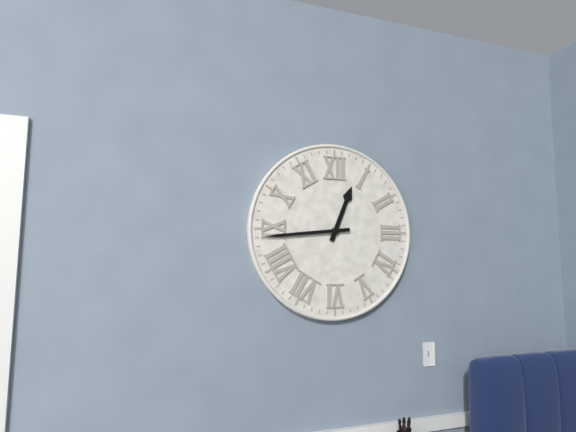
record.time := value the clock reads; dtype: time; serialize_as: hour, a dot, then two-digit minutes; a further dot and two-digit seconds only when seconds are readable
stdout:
12.44
